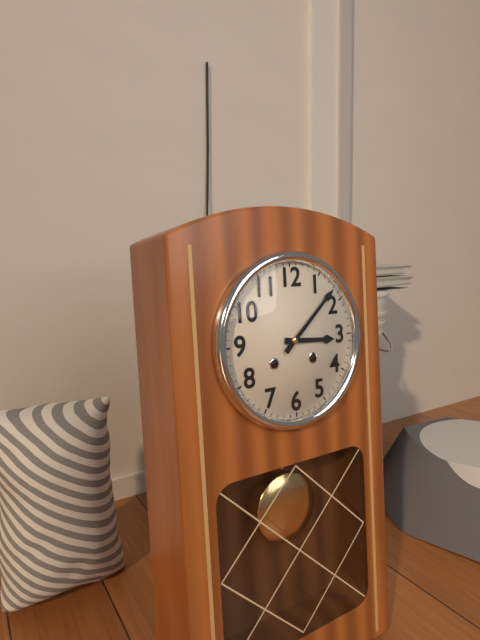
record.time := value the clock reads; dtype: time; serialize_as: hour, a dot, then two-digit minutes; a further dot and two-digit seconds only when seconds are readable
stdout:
3.08
